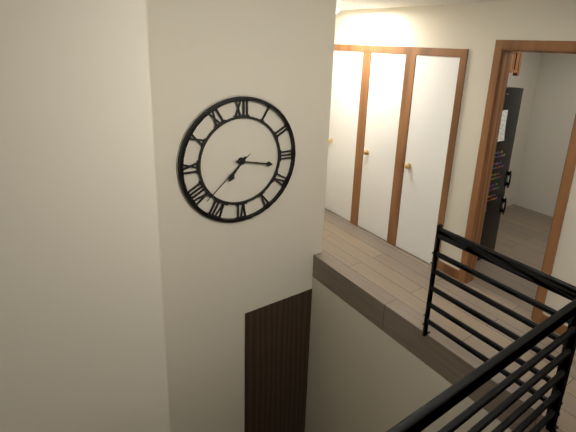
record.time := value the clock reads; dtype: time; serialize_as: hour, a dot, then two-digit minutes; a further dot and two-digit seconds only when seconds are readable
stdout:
7.17.38
